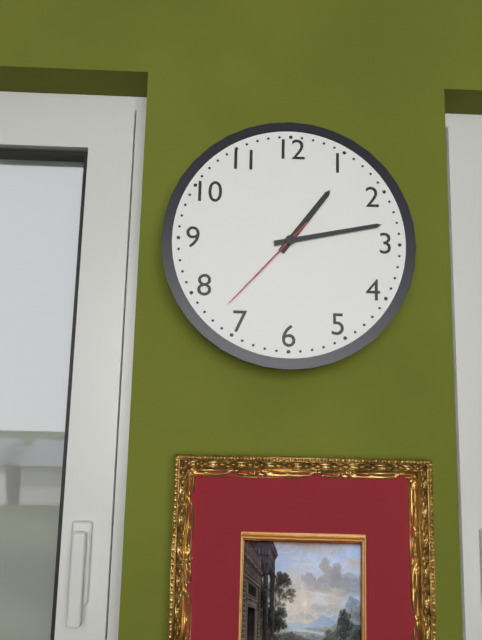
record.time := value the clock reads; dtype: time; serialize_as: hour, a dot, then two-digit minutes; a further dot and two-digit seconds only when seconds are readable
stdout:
1.13.37
